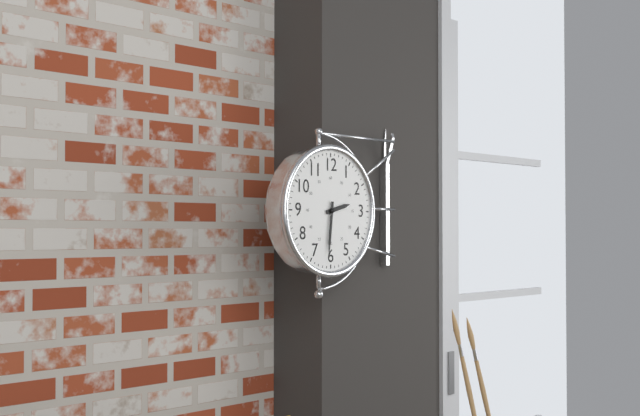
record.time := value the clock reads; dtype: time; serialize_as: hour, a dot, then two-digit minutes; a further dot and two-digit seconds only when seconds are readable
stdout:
2.31
